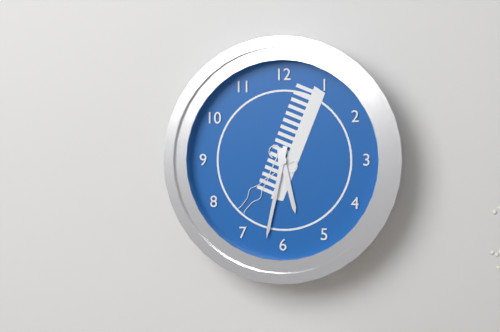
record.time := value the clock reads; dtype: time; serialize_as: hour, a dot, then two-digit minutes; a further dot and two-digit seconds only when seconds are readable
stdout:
5.32
